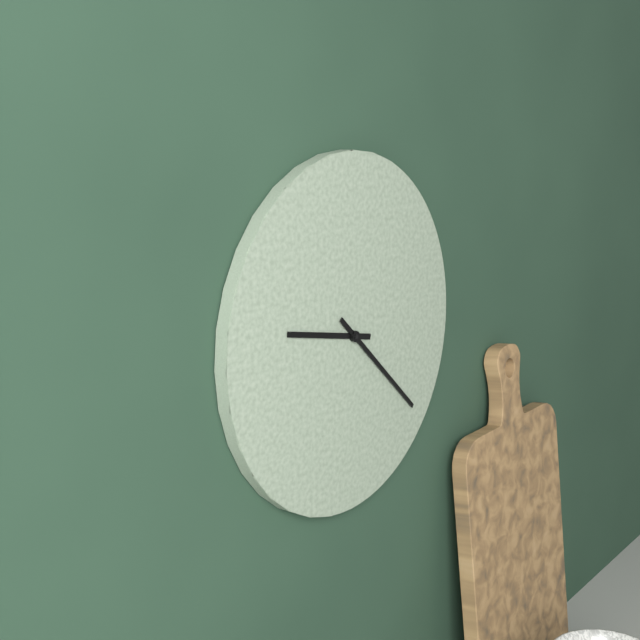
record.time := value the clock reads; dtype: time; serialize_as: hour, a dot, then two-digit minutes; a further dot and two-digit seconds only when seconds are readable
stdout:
9.22
